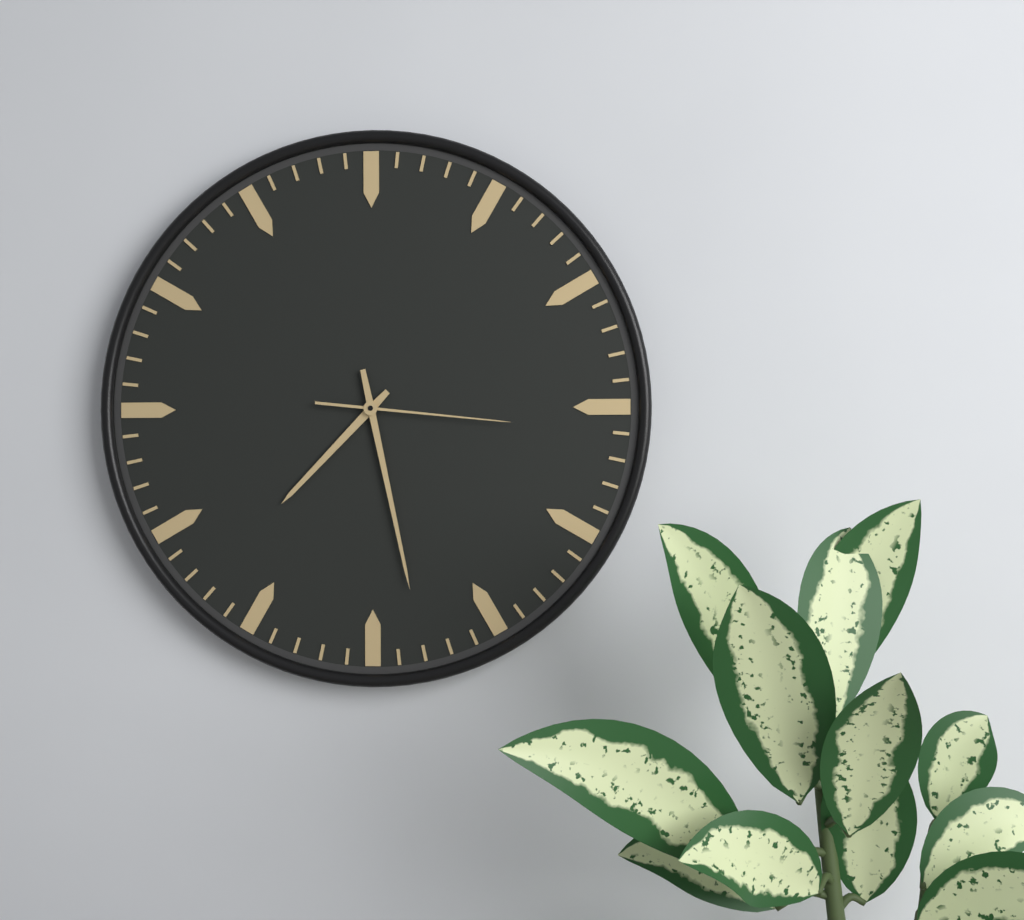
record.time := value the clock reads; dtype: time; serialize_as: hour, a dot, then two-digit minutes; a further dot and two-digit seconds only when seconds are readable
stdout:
7.28.16
